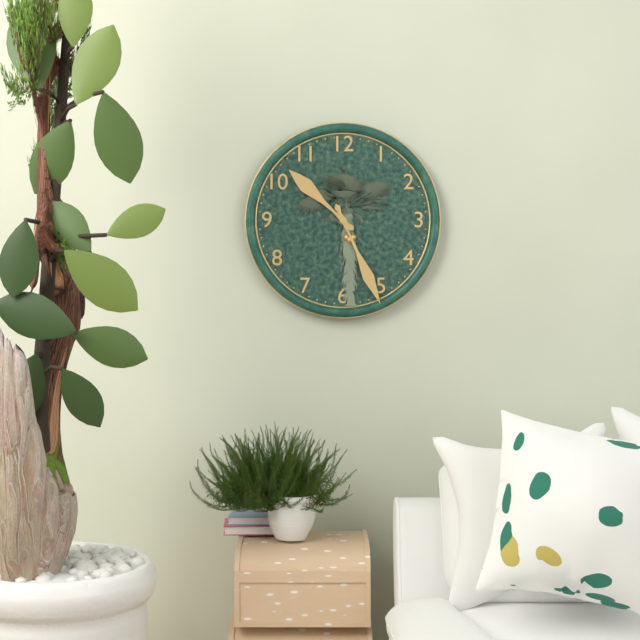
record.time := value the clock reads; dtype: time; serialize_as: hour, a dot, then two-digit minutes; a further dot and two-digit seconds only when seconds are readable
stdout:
10.26
